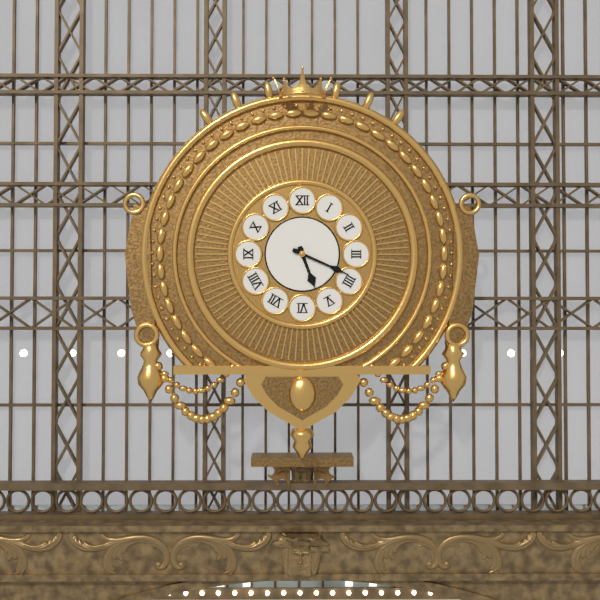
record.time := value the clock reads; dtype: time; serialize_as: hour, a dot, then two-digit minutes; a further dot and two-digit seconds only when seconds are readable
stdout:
5.19
